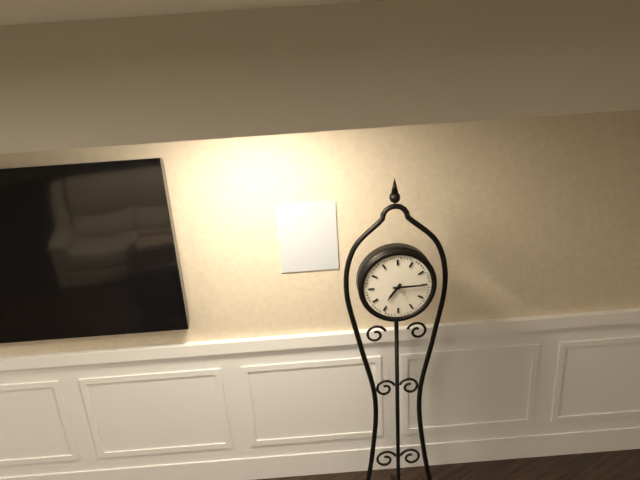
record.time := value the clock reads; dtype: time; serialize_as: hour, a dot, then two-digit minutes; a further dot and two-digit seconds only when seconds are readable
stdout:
7.15
